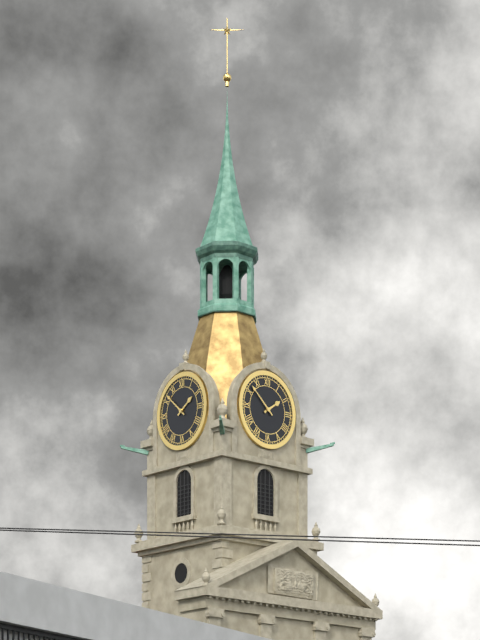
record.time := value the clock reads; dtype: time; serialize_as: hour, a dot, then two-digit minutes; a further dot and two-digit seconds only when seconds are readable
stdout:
1.52
